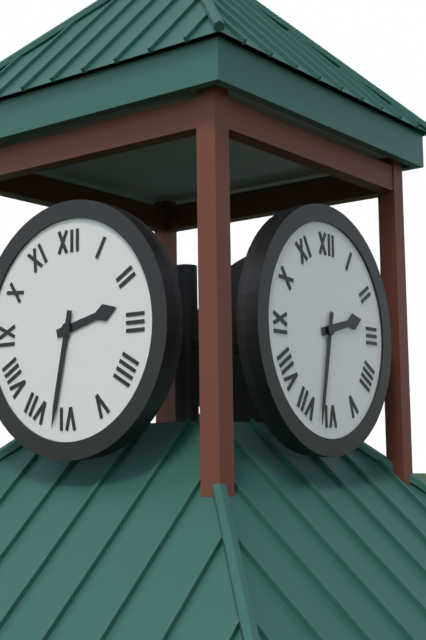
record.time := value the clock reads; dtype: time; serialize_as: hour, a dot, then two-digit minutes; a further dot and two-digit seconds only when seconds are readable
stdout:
2.32
